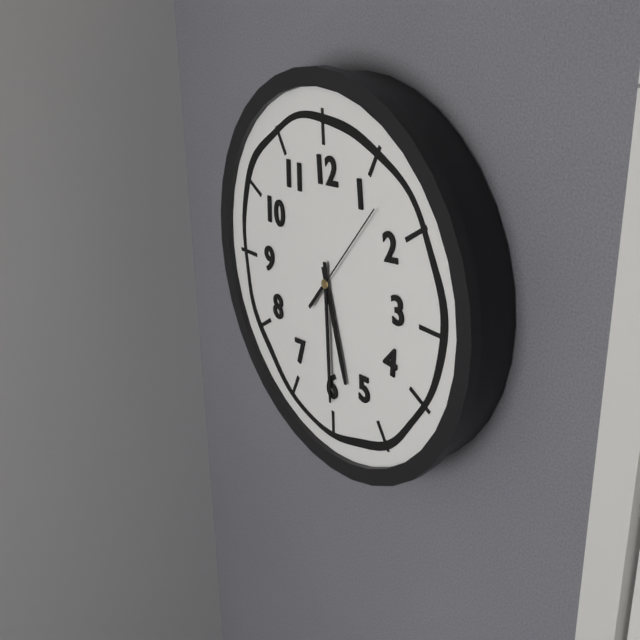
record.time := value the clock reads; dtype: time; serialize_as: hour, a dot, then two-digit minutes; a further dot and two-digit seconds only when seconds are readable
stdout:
5.30.07
